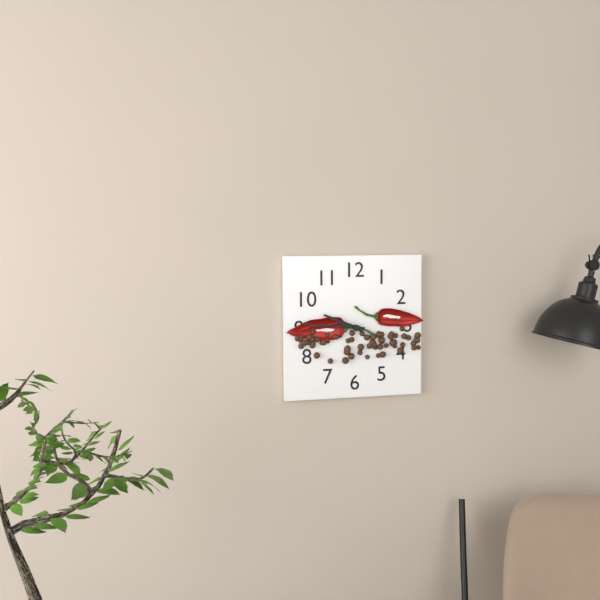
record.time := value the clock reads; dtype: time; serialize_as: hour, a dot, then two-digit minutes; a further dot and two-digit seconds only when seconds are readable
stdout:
9.46
